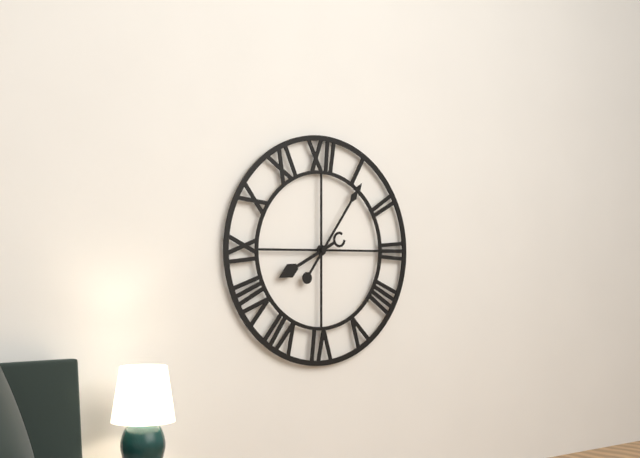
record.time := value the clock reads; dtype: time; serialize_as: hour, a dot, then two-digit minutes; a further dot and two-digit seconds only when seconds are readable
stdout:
8.06
